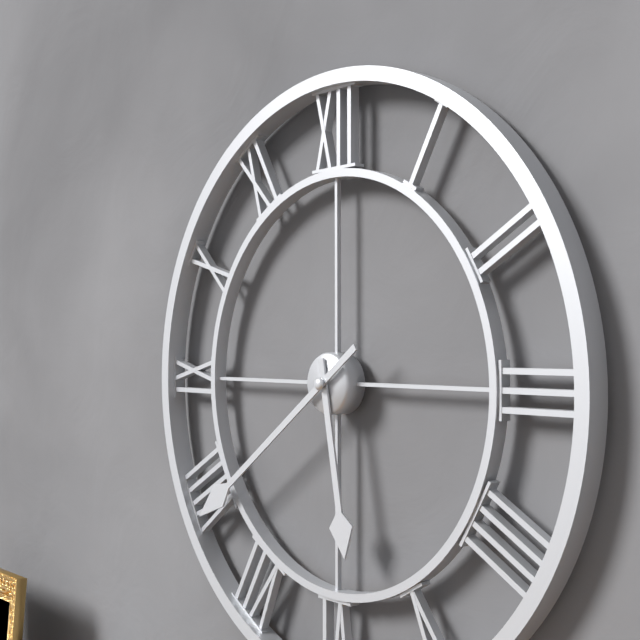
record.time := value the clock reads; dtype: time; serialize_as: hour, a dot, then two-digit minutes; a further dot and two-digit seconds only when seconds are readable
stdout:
5.39
